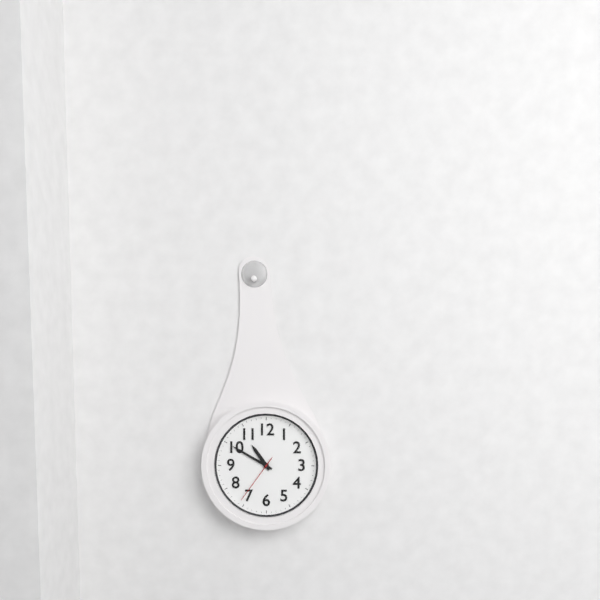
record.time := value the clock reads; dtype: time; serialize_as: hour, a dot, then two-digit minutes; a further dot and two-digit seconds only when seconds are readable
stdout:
10.50.36
